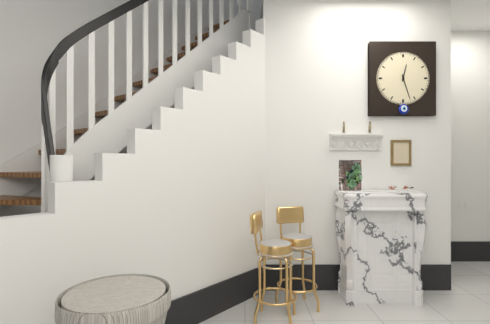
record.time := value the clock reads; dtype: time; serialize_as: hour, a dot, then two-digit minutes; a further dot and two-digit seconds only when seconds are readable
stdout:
12.27
